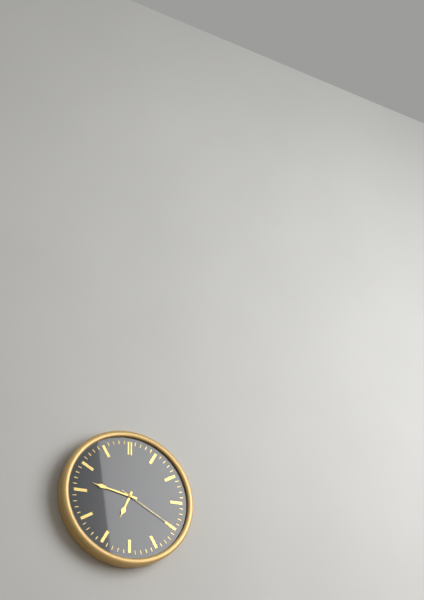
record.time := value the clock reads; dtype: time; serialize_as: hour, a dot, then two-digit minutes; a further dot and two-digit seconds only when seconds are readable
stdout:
6.47.20
